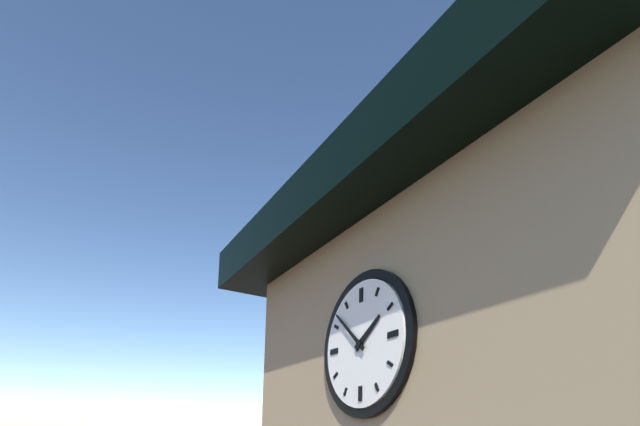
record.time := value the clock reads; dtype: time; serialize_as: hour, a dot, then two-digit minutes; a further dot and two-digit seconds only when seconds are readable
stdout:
1.52
